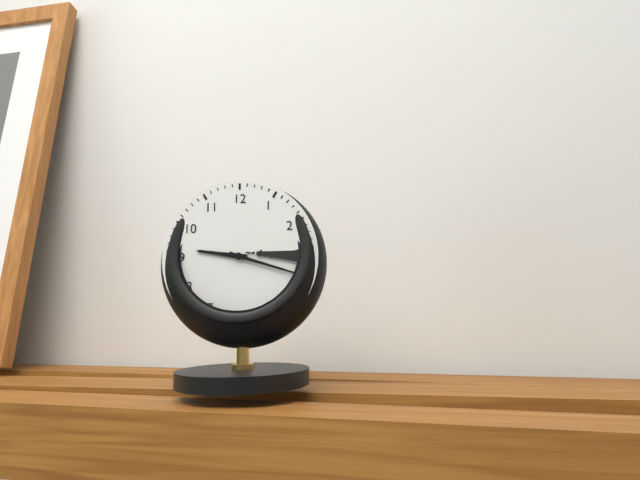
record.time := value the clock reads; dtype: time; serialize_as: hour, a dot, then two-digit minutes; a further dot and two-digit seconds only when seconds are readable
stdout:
9.18
